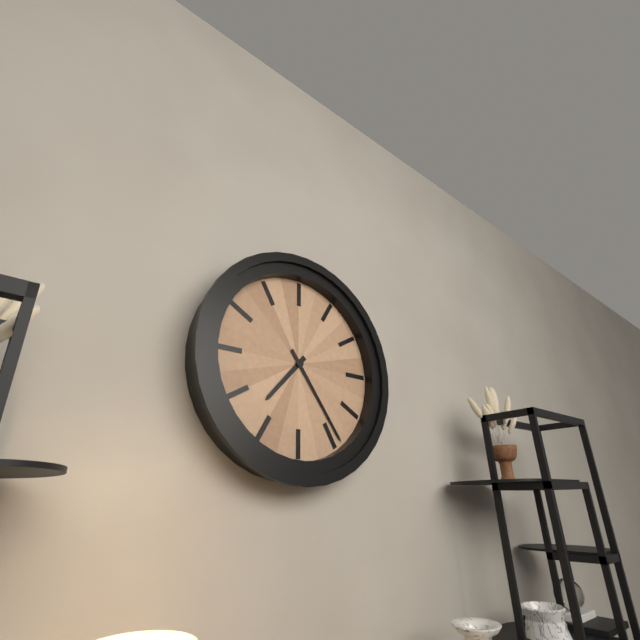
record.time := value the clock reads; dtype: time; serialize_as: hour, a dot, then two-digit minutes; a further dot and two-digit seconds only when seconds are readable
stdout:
7.24
